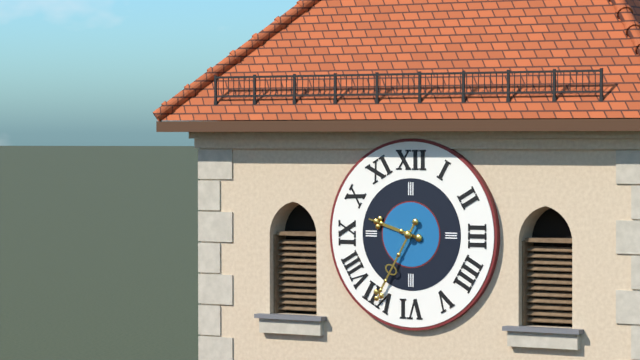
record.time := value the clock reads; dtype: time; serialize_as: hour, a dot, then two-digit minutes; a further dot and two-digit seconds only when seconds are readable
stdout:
9.35
